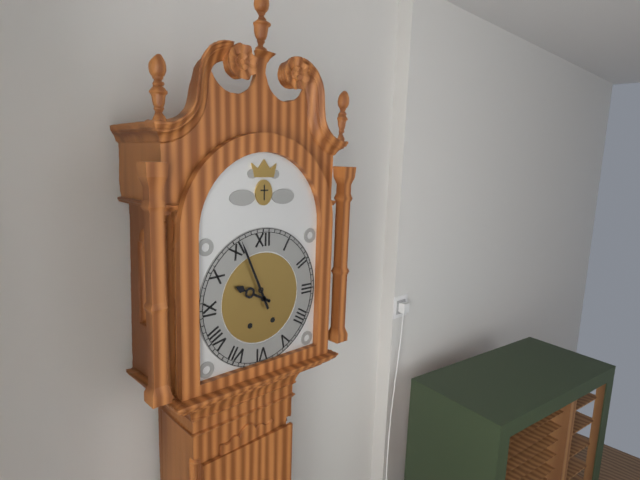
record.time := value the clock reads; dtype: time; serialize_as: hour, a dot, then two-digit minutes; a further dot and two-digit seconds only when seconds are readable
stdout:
9.56
